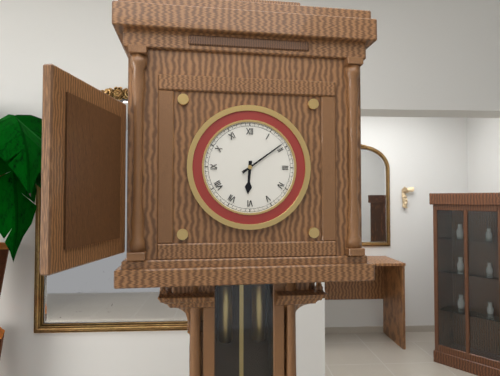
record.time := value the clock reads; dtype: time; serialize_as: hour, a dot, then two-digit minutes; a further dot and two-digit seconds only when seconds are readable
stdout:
6.09
